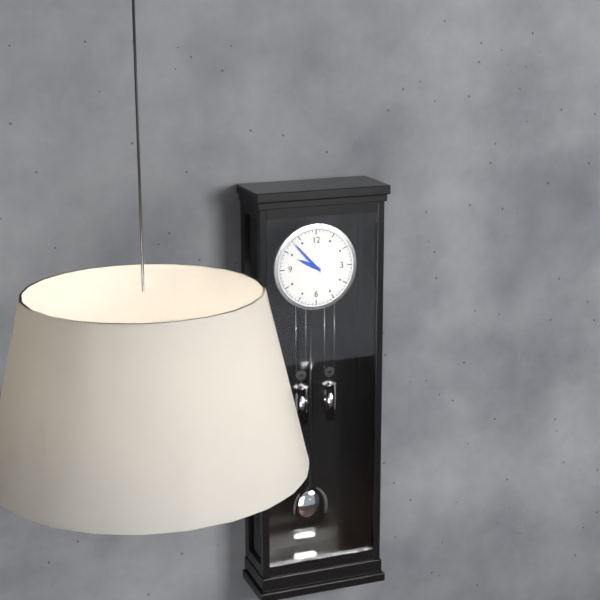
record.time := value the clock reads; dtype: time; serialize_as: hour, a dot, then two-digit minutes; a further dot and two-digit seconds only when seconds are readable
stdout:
9.53
